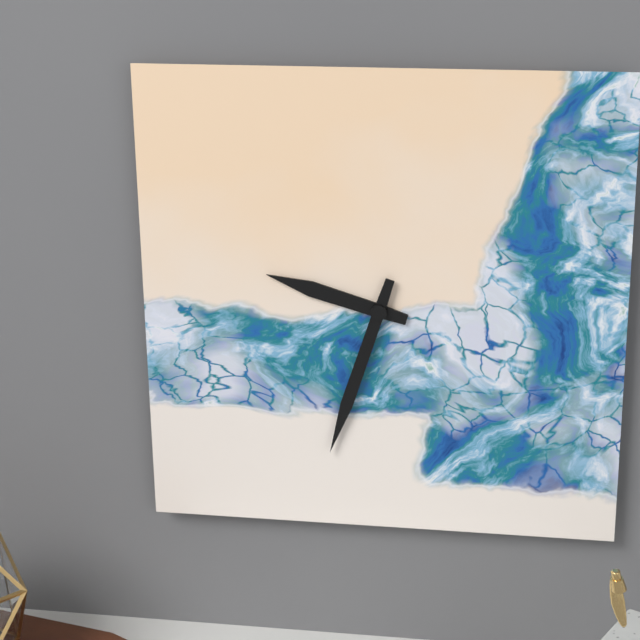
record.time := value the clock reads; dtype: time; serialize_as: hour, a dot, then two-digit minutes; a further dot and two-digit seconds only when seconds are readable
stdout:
9.33
